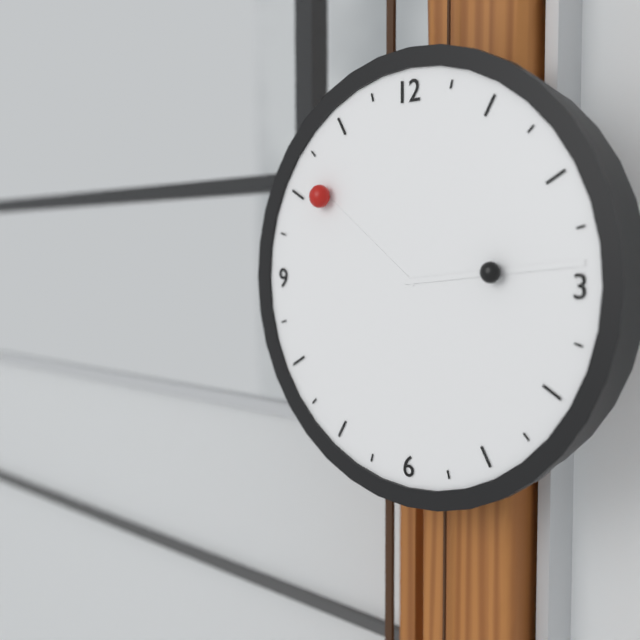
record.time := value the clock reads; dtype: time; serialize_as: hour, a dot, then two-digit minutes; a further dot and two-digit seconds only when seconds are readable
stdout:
10.14
